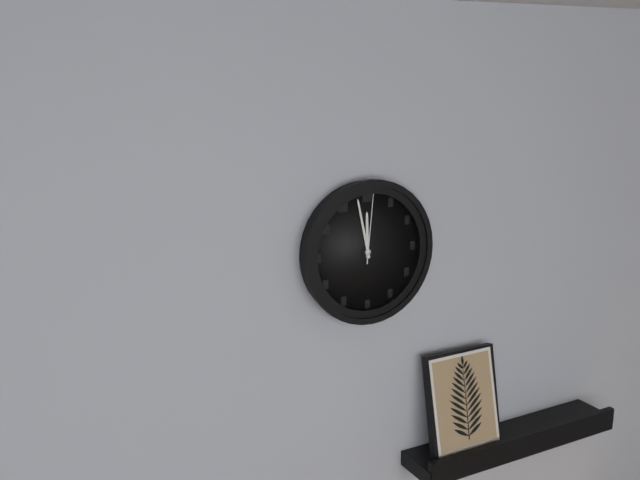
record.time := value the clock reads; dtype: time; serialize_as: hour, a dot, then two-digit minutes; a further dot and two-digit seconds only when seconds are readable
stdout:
11.58.01
